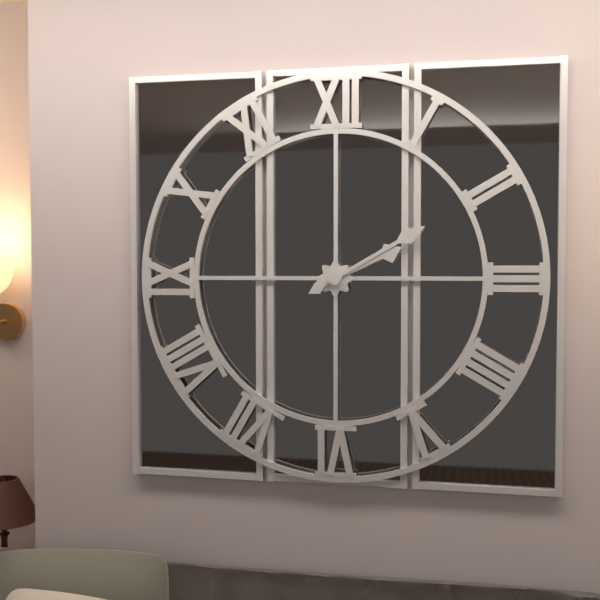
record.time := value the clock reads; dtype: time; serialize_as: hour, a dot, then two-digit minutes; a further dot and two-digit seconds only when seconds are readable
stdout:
2.10
